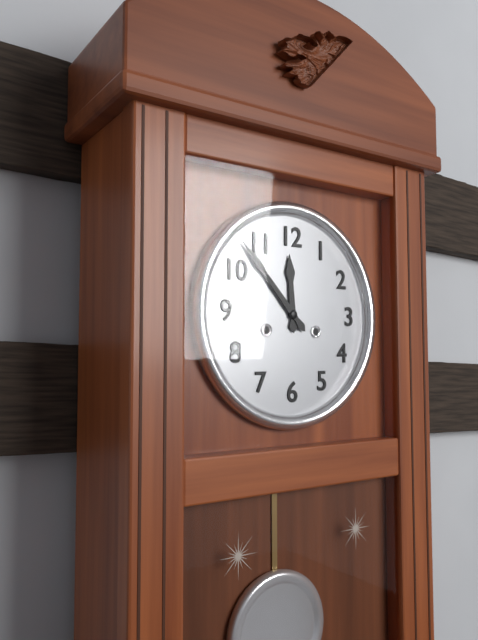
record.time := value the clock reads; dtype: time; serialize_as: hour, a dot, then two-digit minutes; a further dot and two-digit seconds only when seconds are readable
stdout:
11.53
